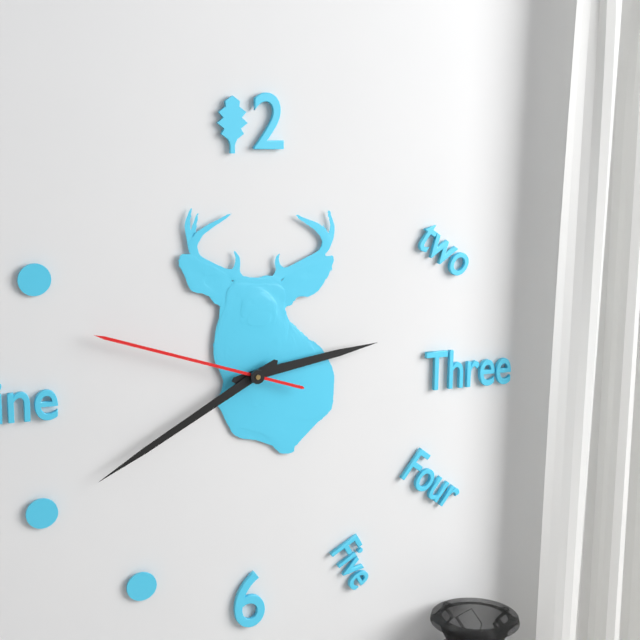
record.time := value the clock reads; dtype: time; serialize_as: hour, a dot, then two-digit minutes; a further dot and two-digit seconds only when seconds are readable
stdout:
2.40.48
